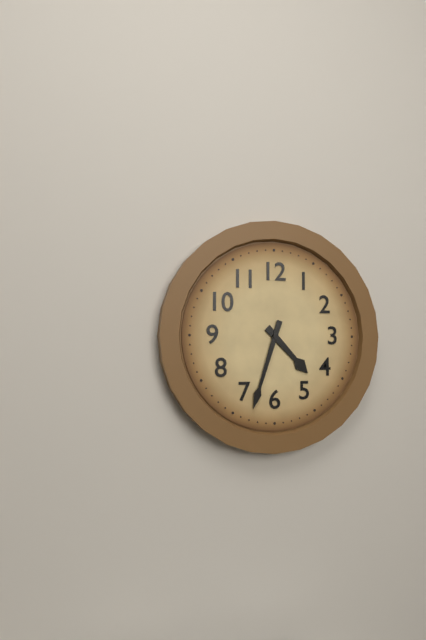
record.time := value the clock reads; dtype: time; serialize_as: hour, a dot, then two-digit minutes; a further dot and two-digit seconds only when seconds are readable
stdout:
4.33
